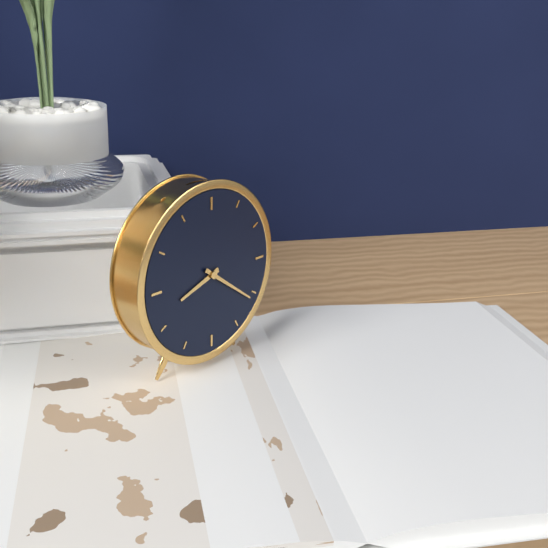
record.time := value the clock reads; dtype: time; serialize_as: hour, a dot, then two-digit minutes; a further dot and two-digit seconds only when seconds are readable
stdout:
8.21
